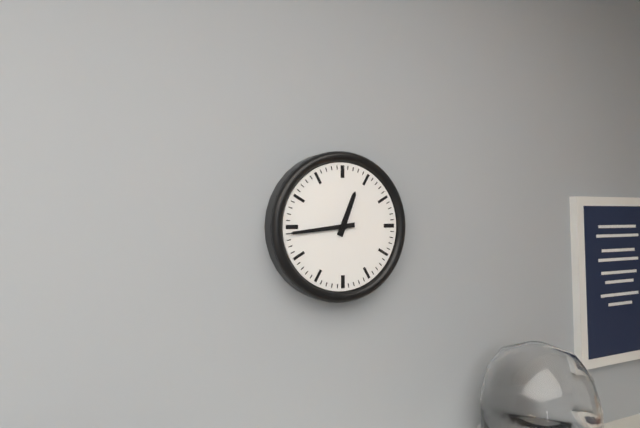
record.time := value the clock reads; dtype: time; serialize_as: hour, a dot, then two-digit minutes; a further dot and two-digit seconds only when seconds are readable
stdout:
12.44
